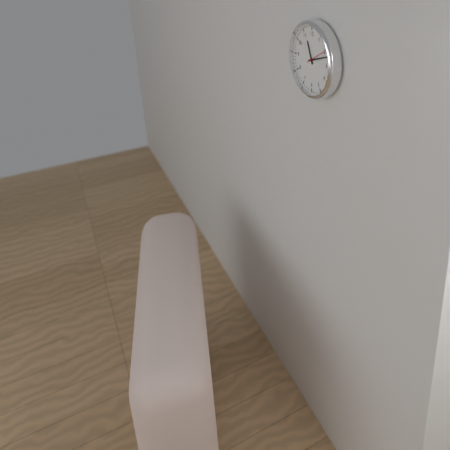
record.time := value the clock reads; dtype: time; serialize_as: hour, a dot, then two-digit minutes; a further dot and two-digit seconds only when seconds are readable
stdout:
11.12
